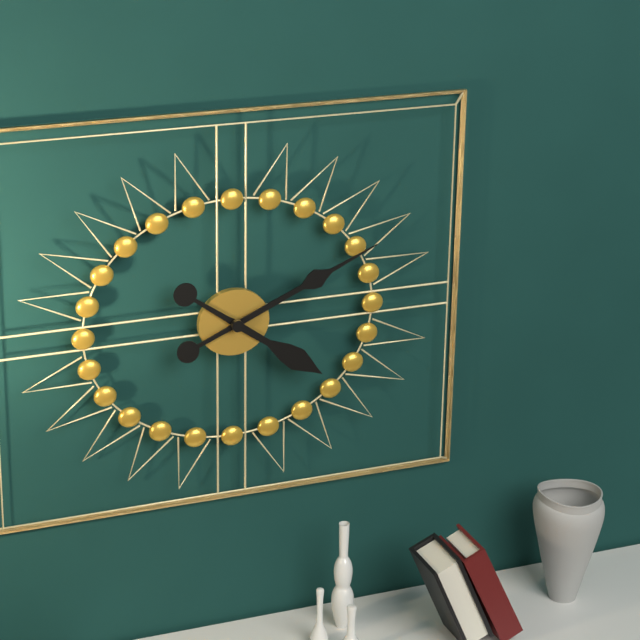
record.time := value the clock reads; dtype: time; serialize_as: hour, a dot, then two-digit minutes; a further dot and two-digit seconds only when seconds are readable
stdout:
4.11
